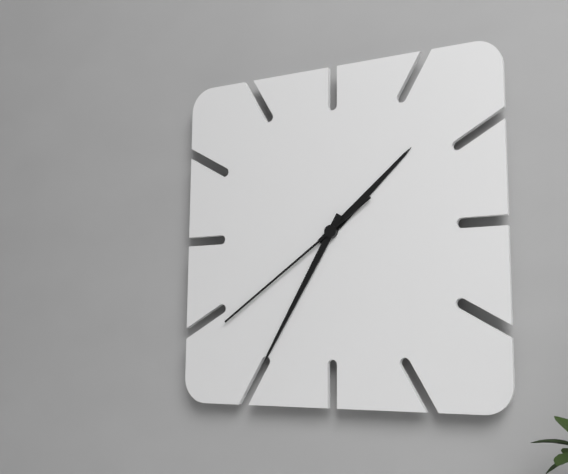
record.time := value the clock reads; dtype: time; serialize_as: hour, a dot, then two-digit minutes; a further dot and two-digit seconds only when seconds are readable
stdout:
1.35.39
